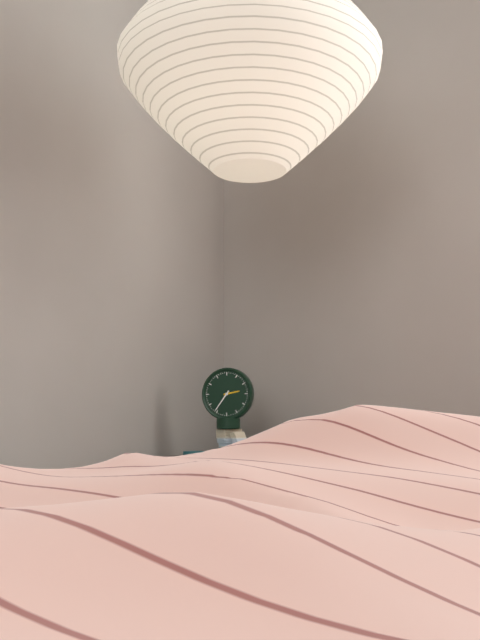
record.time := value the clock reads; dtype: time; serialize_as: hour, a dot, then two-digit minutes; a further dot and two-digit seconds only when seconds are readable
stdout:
2.36
